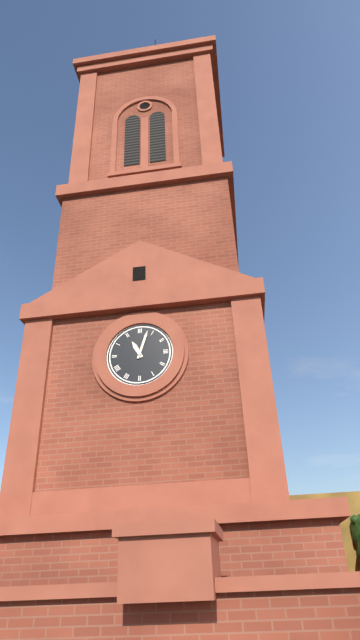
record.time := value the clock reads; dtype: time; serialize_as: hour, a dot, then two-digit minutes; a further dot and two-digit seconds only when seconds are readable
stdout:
11.03
